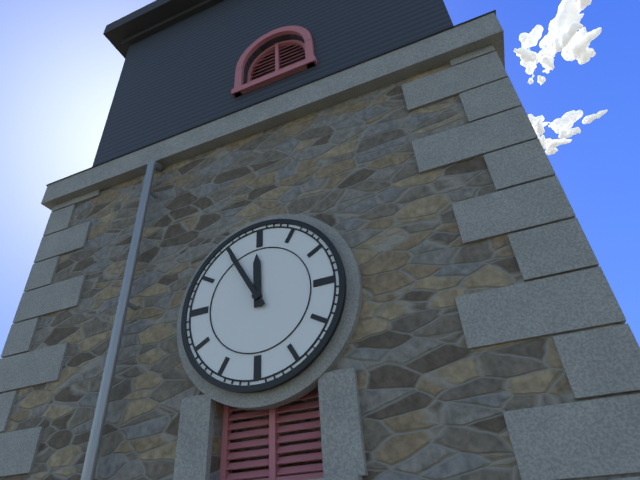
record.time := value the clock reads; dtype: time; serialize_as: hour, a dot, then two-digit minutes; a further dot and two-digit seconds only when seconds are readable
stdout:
11.55
